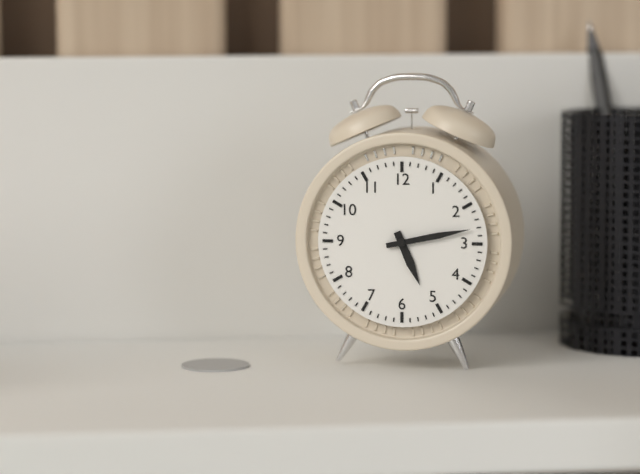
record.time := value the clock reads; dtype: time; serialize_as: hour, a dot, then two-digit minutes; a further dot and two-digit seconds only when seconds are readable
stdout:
5.13
